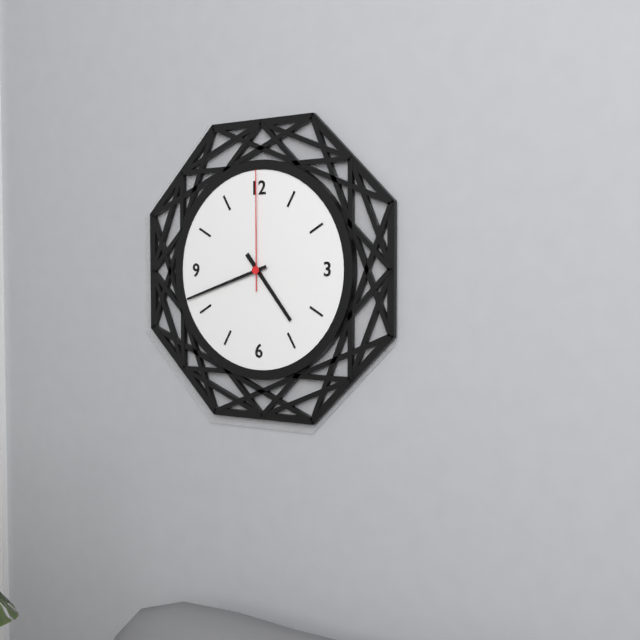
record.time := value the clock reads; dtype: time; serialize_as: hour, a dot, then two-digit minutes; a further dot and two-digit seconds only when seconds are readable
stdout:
4.42.00
